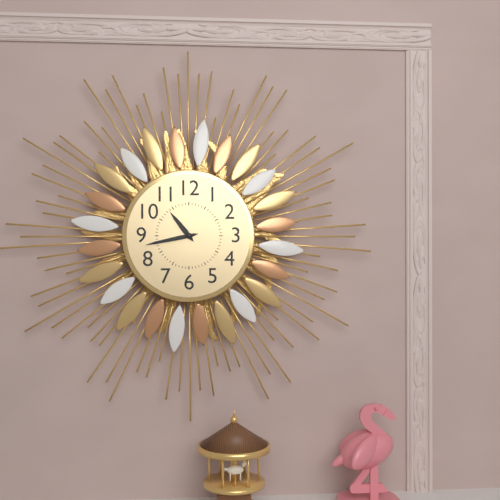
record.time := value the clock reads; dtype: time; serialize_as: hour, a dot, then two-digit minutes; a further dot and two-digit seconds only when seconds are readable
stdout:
10.43
